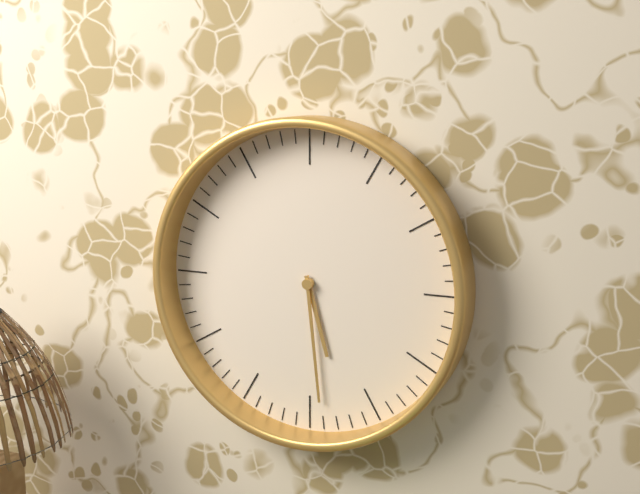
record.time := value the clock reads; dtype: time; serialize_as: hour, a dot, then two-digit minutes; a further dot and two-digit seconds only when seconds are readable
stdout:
5.29
